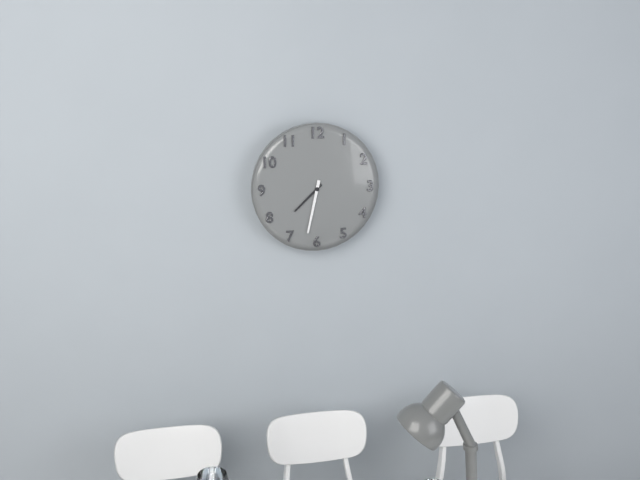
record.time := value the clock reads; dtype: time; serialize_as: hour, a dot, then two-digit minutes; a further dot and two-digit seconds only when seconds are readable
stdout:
7.32
